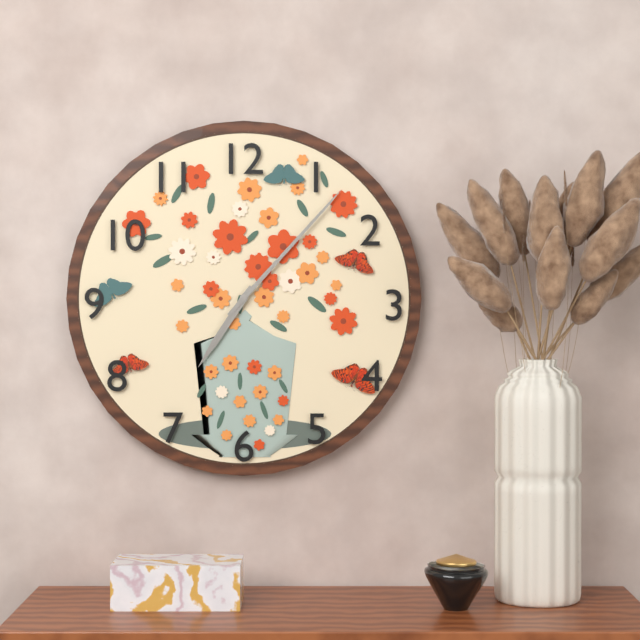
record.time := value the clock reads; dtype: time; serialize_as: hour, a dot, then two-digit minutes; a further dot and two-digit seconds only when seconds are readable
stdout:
7.07
